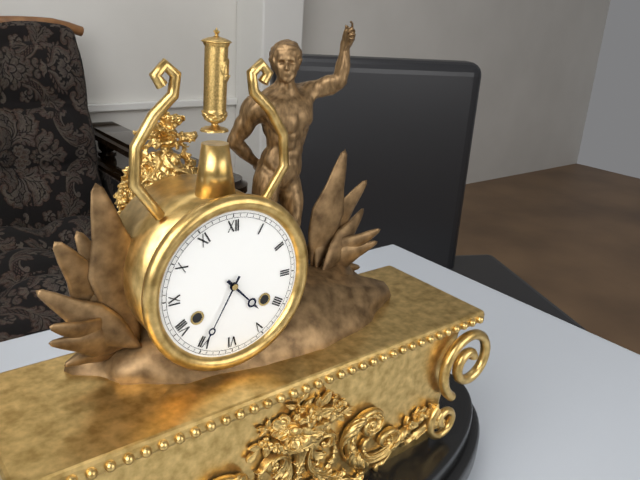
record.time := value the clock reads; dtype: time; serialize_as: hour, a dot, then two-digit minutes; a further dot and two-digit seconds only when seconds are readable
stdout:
4.35
